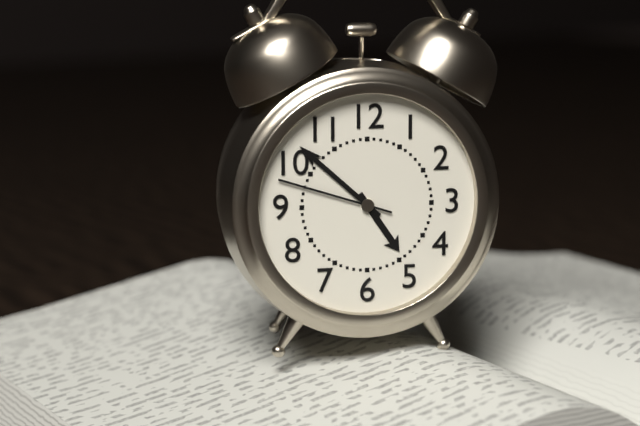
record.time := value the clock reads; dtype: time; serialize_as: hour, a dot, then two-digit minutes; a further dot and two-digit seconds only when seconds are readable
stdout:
4.52.48
